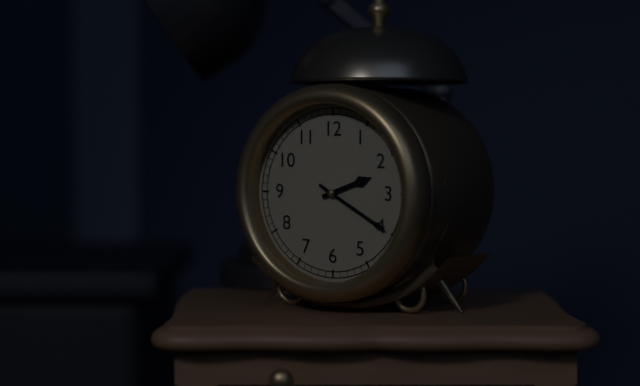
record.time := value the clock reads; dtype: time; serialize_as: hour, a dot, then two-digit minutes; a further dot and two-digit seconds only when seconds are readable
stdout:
2.20
